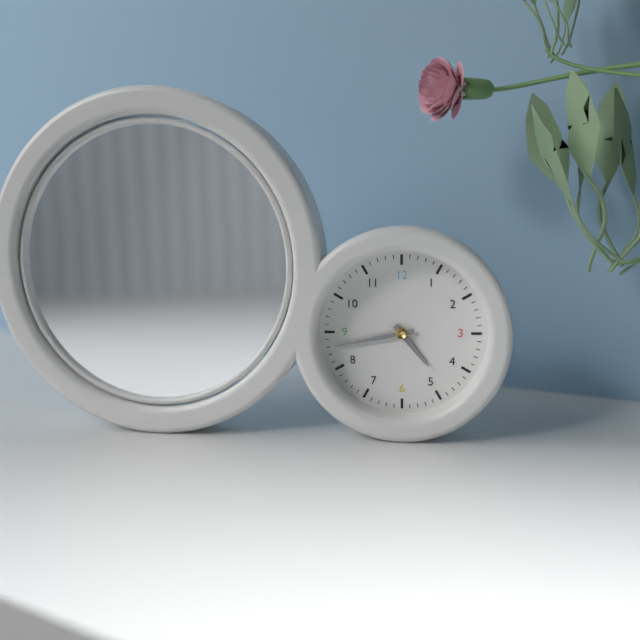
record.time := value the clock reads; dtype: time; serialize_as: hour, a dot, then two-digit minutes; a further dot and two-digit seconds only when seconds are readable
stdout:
4.43
